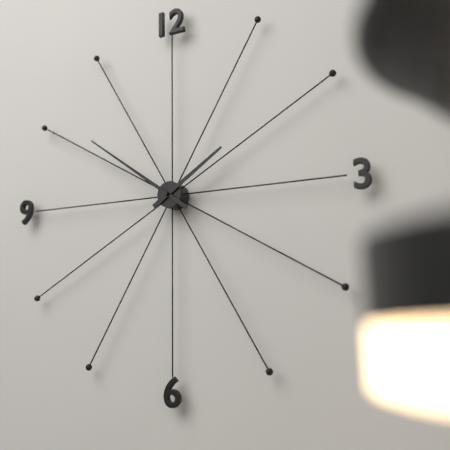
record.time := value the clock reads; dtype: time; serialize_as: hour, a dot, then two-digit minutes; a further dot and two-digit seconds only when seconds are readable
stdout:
1.51
